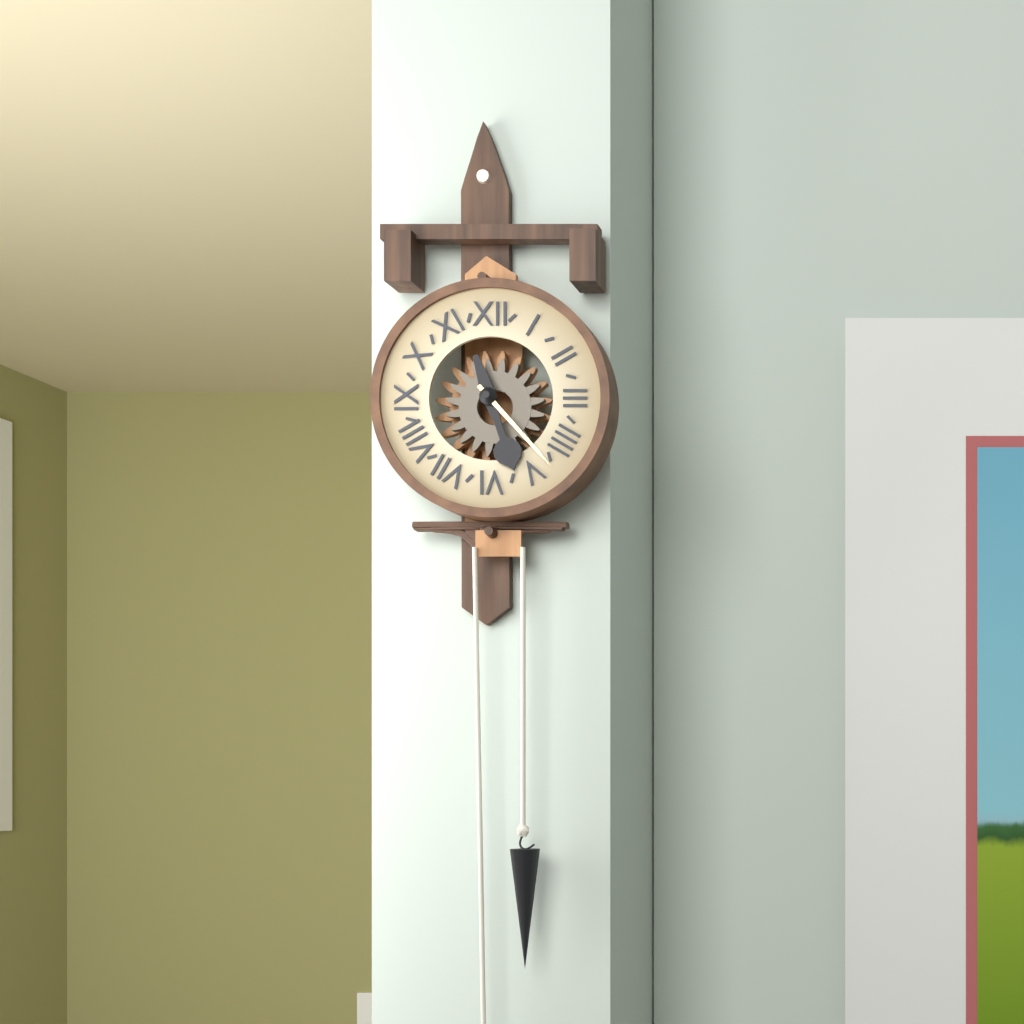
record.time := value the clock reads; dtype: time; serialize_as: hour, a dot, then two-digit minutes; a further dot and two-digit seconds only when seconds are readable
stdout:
5.23
